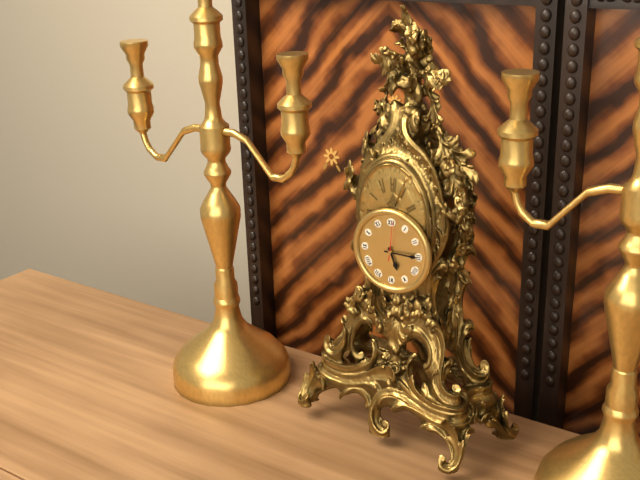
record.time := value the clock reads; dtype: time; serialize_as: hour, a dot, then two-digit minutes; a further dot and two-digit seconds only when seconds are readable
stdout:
5.15
